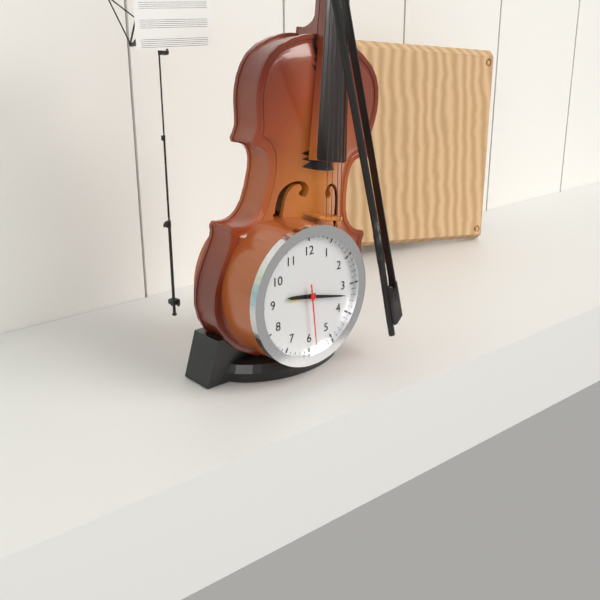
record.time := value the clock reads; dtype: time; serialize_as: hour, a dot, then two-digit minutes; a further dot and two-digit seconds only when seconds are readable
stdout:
9.17.29
